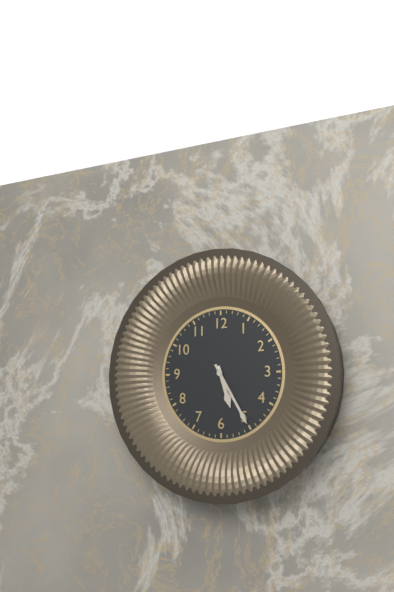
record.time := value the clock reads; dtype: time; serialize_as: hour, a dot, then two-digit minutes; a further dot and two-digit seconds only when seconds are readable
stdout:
5.25
